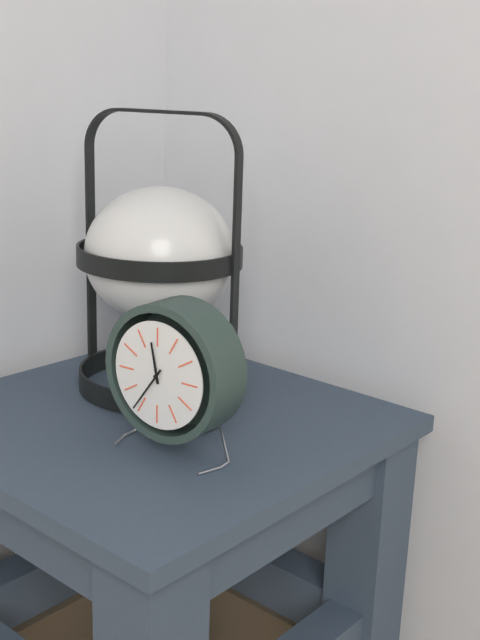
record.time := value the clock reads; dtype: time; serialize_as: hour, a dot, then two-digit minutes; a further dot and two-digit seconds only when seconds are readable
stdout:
11.36
